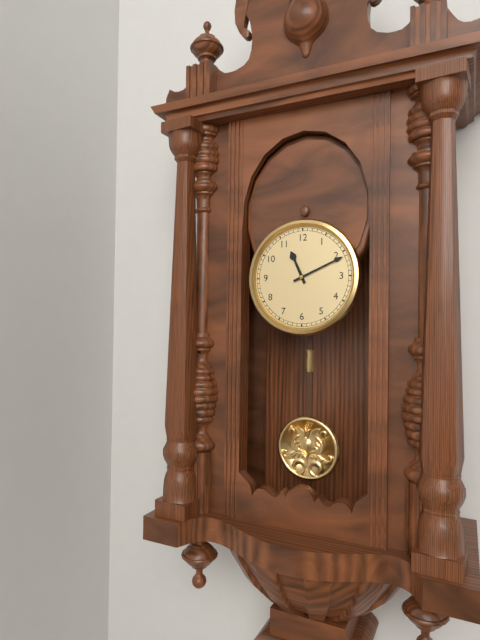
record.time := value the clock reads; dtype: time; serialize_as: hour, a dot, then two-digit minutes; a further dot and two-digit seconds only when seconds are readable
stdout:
11.11
